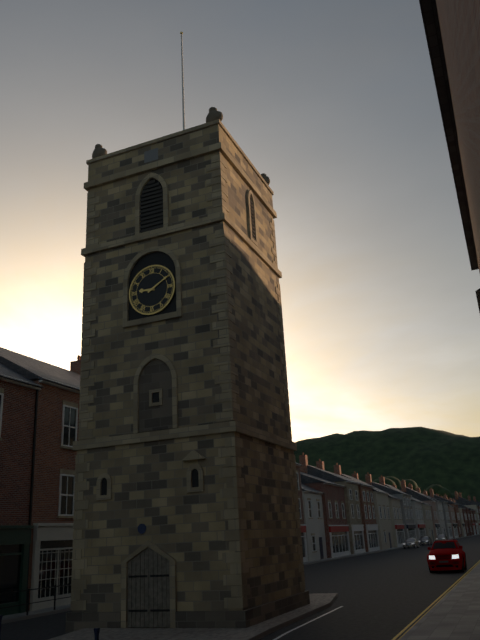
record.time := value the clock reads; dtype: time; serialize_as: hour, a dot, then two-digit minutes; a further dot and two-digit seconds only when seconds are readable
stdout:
9.10
